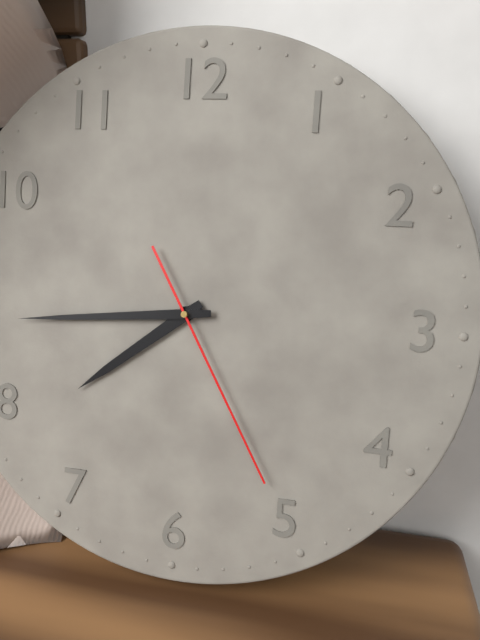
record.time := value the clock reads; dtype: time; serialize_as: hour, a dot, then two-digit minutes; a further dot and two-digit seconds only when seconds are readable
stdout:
7.44.25
